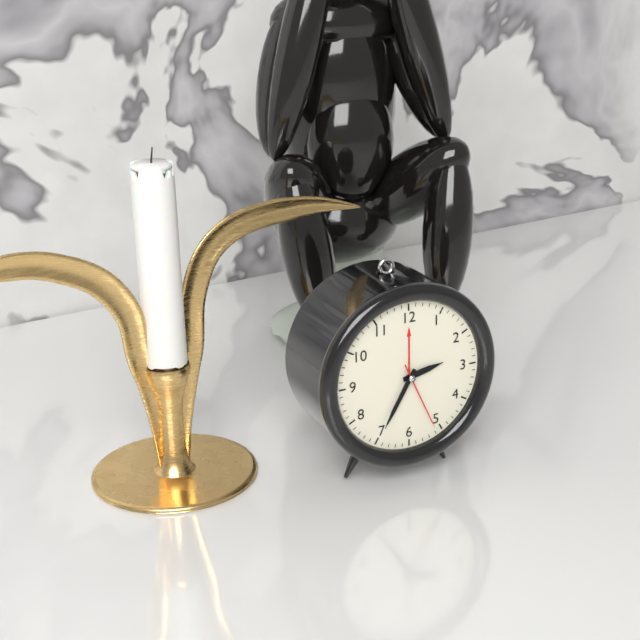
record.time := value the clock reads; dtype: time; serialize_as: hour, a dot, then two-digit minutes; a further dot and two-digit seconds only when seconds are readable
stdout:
2.35.26
